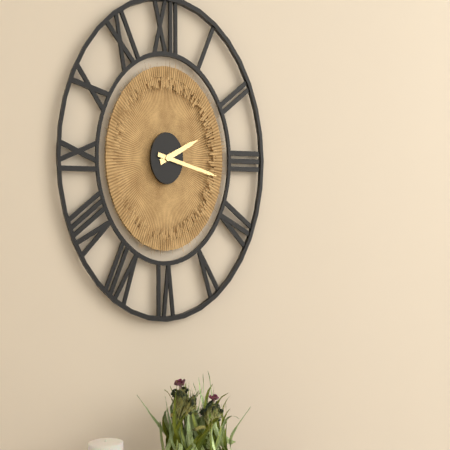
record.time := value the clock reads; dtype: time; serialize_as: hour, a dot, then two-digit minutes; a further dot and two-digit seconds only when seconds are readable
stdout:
2.17
